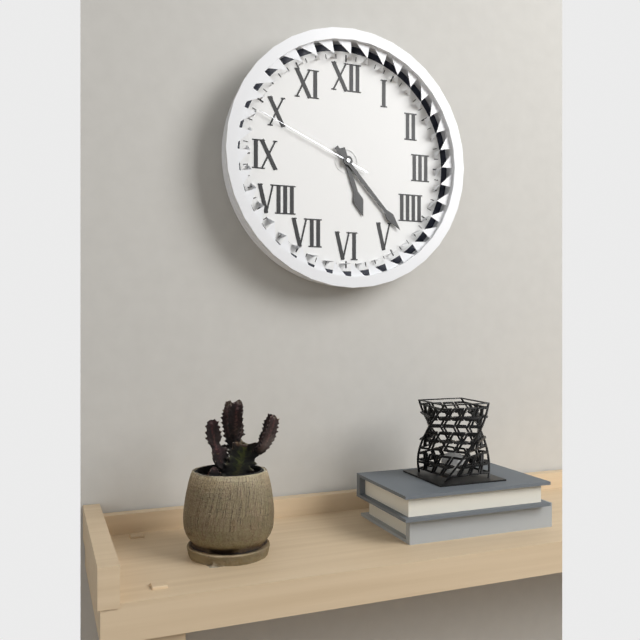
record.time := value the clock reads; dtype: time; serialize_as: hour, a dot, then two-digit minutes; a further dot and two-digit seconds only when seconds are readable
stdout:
5.23.49
